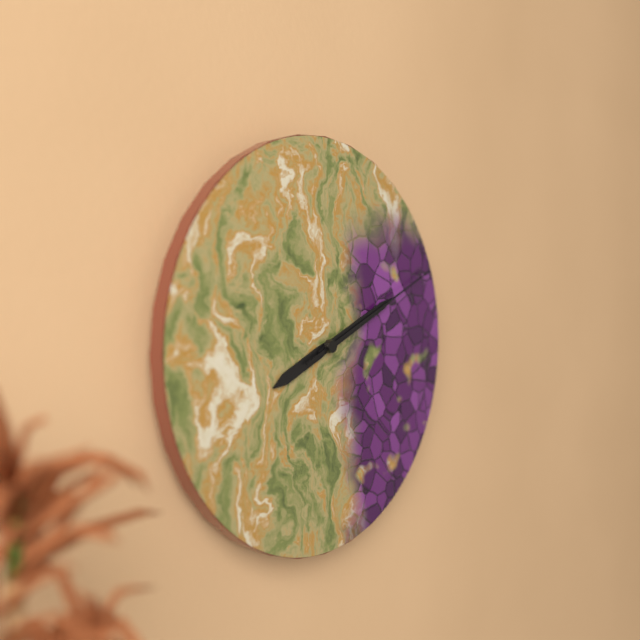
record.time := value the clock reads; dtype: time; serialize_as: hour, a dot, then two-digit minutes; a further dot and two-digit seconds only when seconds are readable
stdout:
8.11.11
